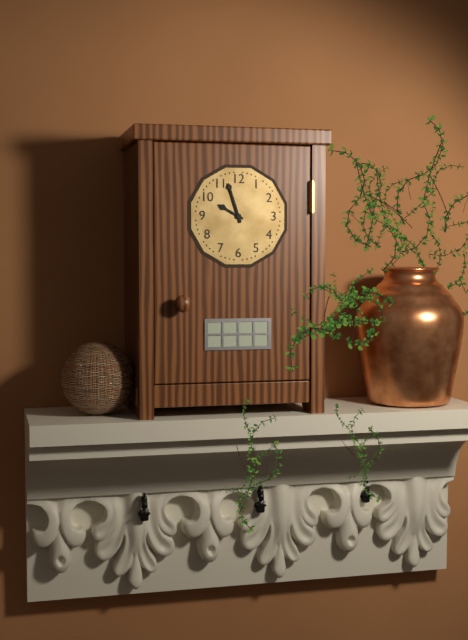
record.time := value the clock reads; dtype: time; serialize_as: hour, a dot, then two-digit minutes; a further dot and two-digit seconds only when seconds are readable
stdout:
9.57
